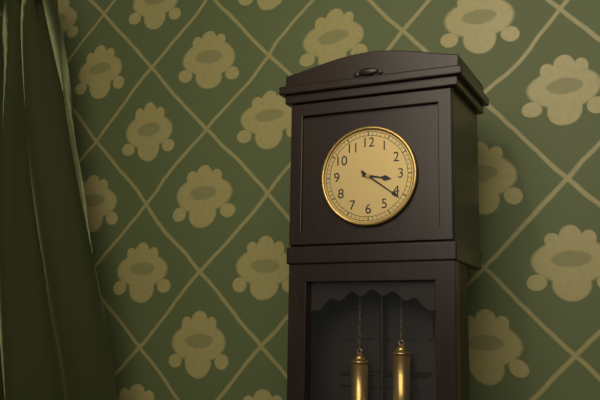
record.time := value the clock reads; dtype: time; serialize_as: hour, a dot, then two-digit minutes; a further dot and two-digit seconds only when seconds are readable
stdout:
3.21
